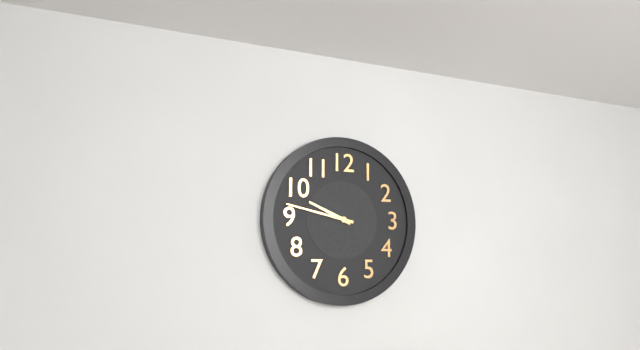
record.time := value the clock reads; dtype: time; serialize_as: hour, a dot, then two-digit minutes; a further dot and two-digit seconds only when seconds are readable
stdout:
9.47
